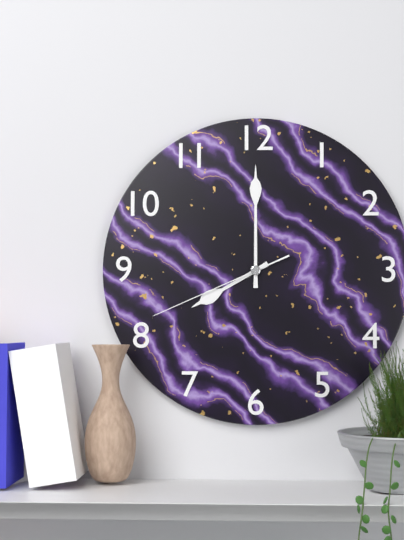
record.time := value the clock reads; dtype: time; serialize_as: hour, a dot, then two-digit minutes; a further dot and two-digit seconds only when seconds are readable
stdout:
8.00.41
